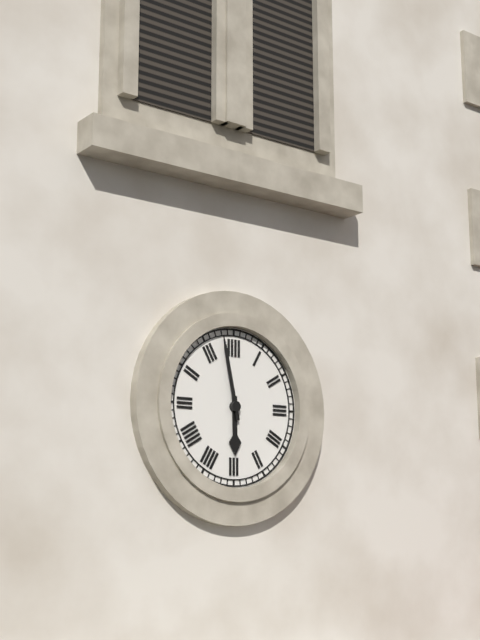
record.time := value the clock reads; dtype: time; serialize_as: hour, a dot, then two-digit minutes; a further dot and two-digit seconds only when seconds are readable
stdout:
5.58
